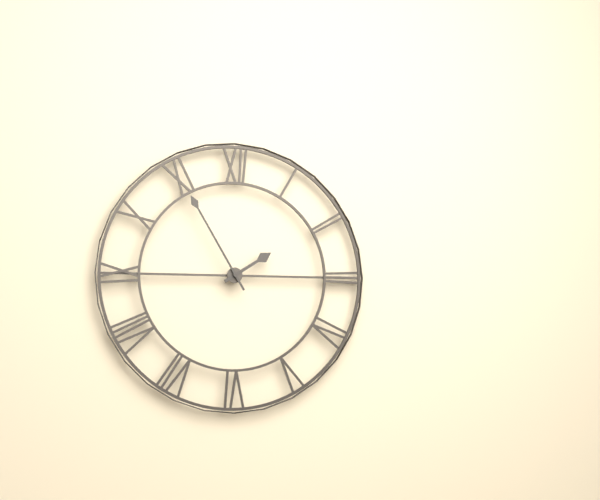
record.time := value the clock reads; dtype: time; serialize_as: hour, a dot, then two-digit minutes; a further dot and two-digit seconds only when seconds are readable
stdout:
1.55
